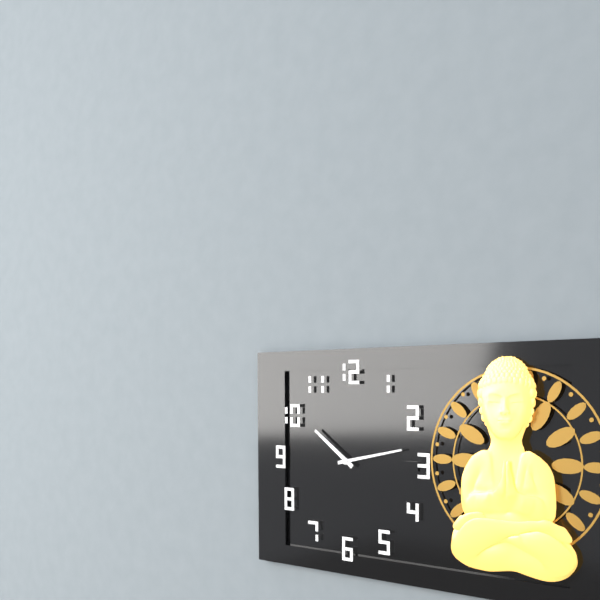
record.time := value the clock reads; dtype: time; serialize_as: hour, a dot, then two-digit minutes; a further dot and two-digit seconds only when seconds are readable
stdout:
10.13
